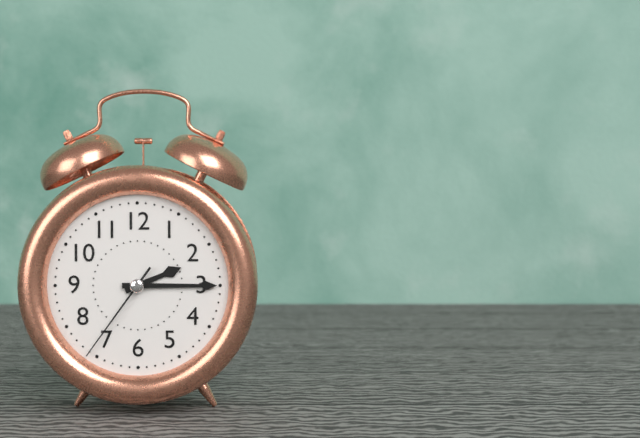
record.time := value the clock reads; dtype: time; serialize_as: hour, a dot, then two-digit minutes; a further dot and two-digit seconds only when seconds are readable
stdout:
2.15.36
